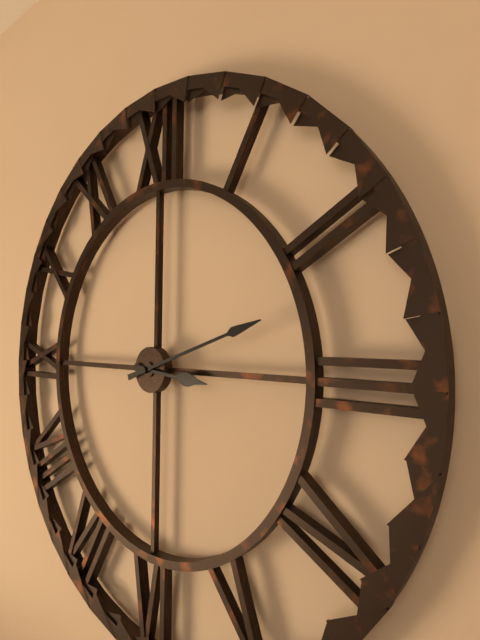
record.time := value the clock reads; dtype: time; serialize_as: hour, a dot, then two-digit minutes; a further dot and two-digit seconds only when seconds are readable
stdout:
3.12
